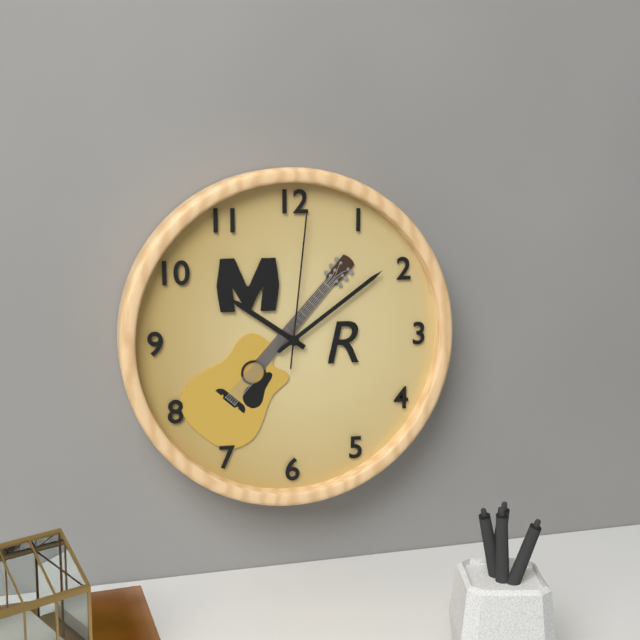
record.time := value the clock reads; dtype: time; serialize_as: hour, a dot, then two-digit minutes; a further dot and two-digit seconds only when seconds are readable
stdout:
10.09.01
